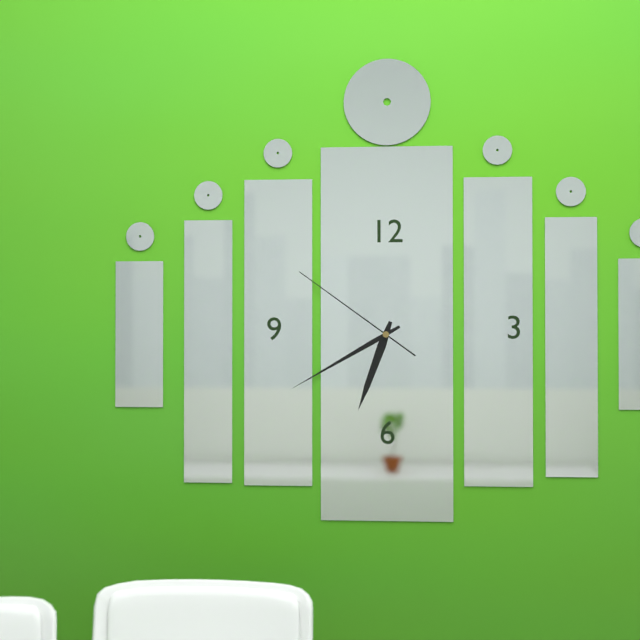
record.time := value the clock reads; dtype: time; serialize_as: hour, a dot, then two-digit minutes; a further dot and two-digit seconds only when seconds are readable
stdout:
6.40.51
